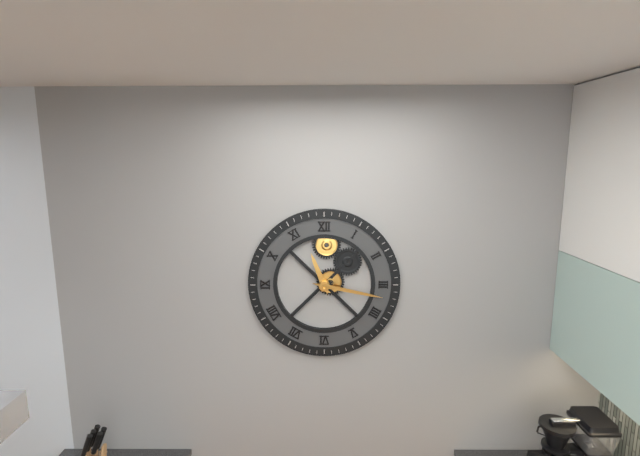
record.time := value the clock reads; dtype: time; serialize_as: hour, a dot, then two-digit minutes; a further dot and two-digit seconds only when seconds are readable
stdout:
11.17
